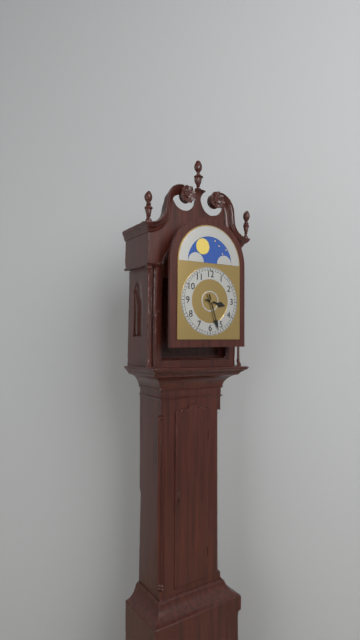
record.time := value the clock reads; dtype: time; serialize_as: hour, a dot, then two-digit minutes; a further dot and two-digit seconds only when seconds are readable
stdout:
3.27
